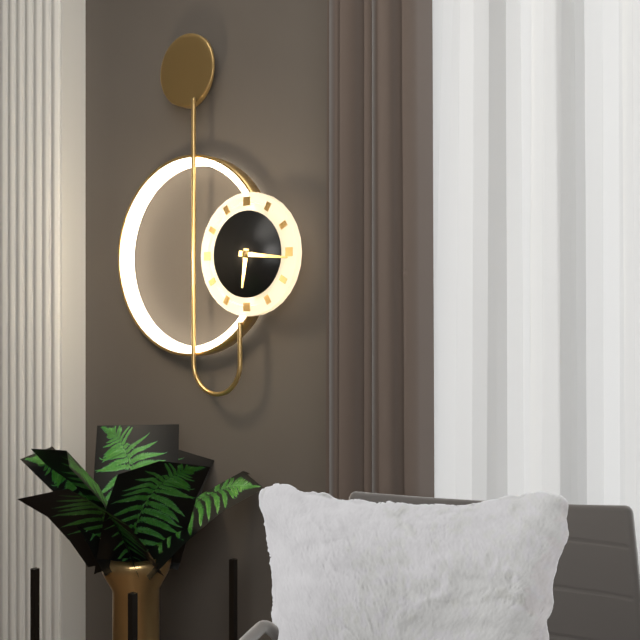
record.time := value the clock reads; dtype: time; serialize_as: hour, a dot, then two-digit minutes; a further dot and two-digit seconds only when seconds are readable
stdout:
6.16
